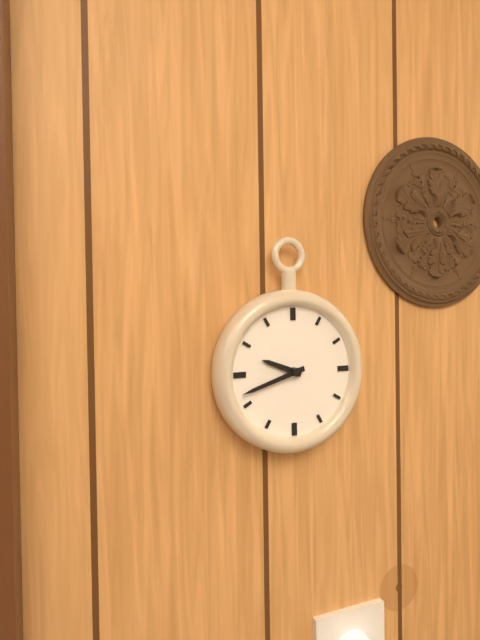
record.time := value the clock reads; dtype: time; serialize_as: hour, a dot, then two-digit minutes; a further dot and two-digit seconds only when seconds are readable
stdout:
9.42
